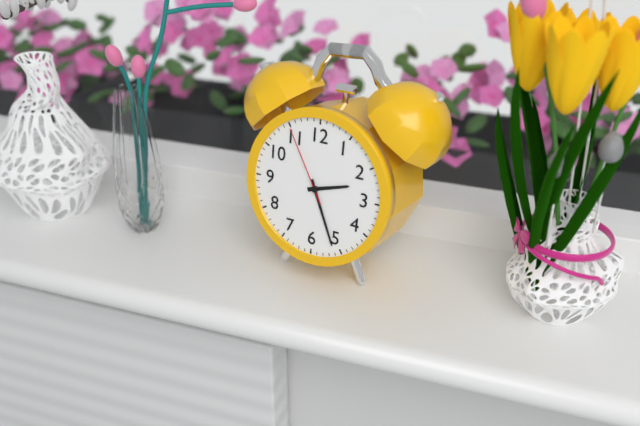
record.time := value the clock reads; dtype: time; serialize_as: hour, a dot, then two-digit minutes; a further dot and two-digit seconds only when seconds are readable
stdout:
2.26.55
